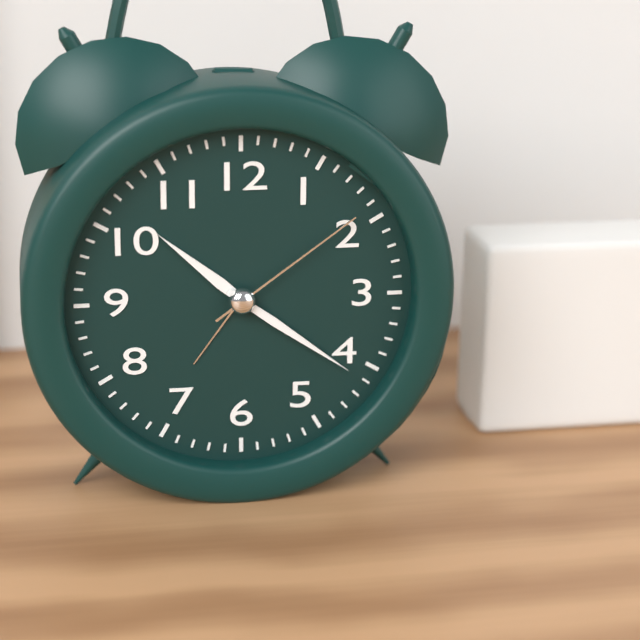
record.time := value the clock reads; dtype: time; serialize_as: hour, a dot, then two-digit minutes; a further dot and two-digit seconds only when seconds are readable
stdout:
10.21.09
